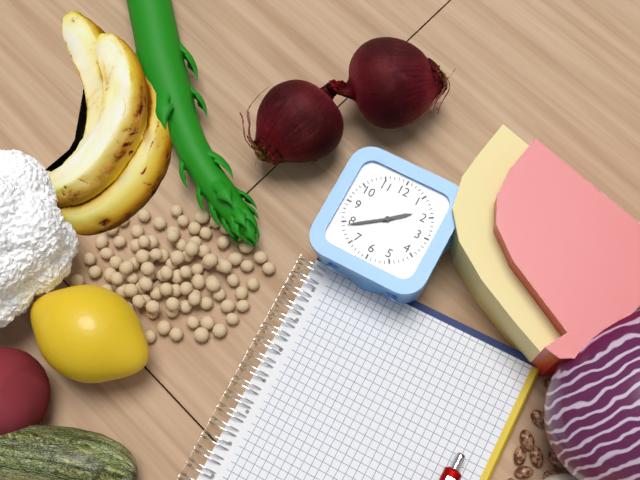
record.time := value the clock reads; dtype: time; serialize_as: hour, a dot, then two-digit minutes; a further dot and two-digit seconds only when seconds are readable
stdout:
1.39
